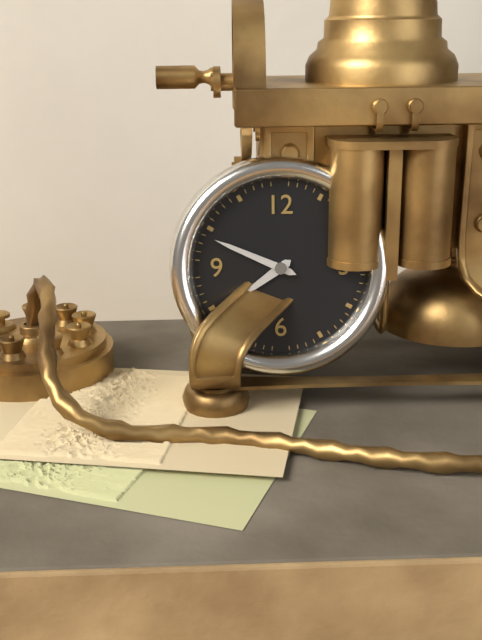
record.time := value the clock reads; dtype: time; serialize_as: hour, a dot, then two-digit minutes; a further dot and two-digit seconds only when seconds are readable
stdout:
7.49
